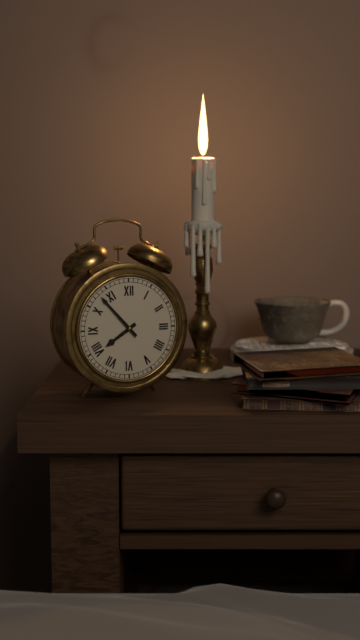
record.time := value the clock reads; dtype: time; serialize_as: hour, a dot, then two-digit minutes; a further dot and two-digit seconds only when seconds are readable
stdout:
7.53
